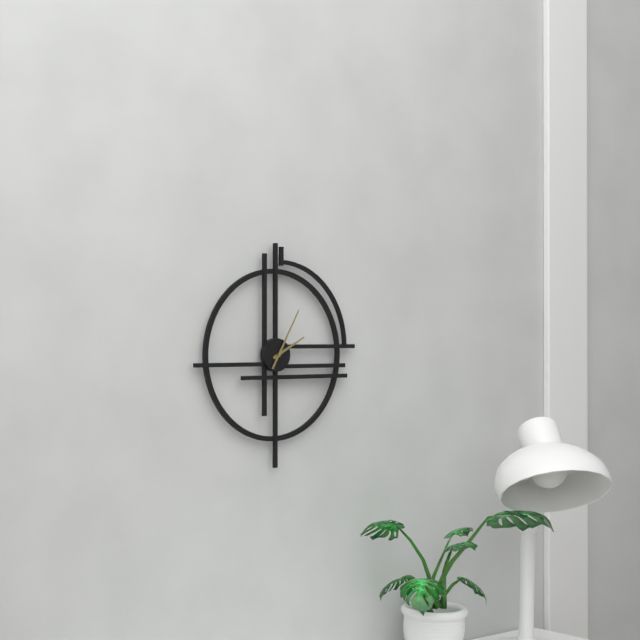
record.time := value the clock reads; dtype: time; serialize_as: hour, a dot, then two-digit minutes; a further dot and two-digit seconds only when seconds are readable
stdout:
2.05
